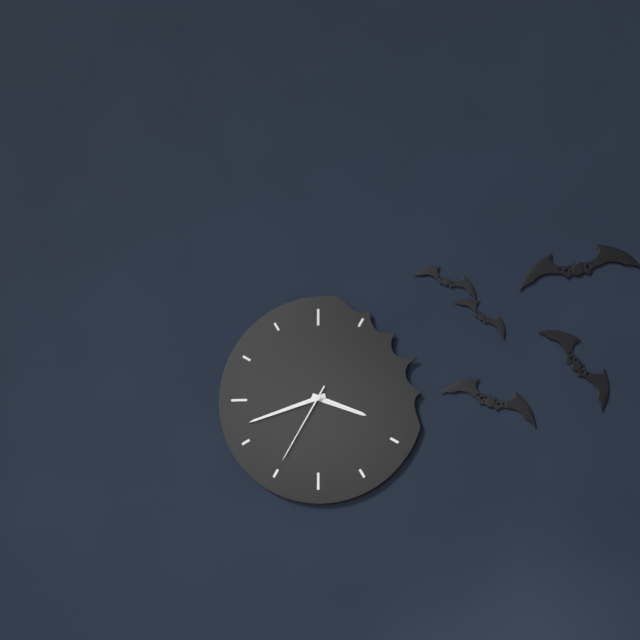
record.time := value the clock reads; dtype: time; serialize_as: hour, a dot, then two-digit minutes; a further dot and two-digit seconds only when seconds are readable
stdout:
3.42.35
